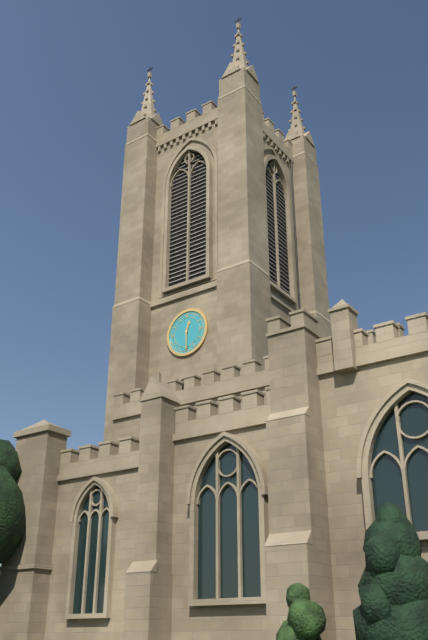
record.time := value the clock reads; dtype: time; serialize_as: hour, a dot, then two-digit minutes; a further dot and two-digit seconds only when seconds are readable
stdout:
12.30
